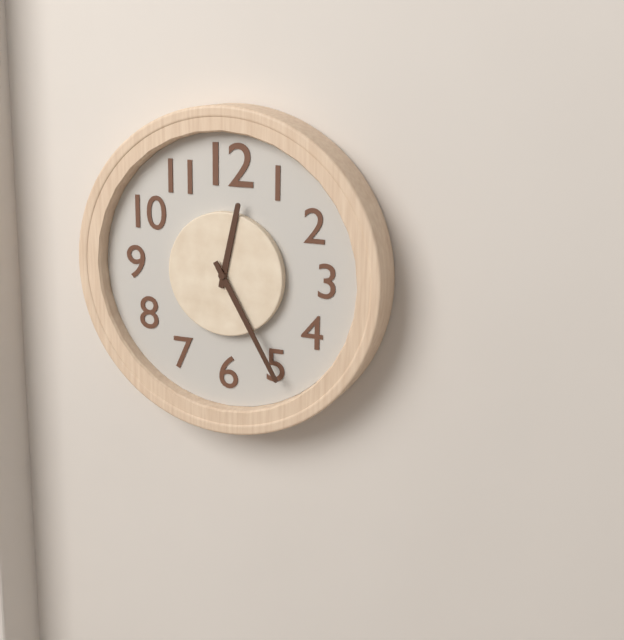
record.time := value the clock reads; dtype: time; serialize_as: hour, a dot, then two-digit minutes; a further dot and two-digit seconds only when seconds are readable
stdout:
12.25
